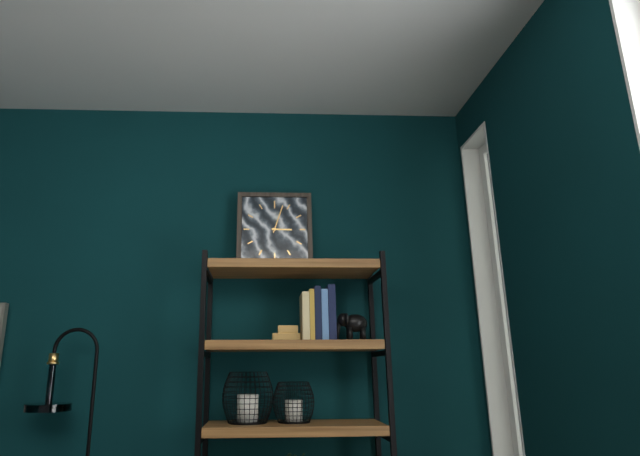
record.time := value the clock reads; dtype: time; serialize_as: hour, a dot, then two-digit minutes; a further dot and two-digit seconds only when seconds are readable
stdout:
3.03
